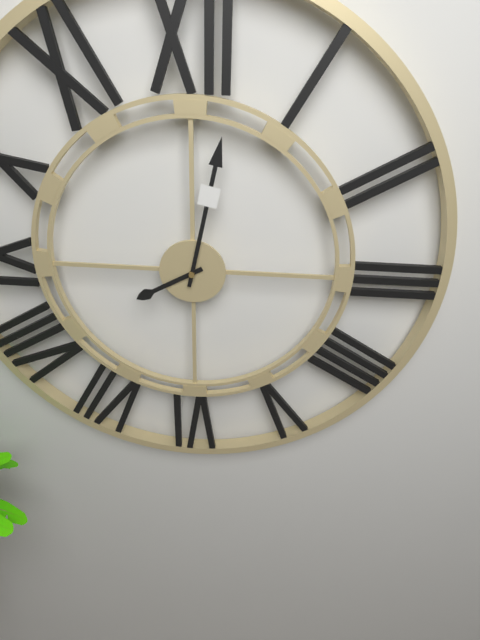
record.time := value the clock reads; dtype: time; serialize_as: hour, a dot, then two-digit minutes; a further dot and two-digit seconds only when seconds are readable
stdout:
8.02
